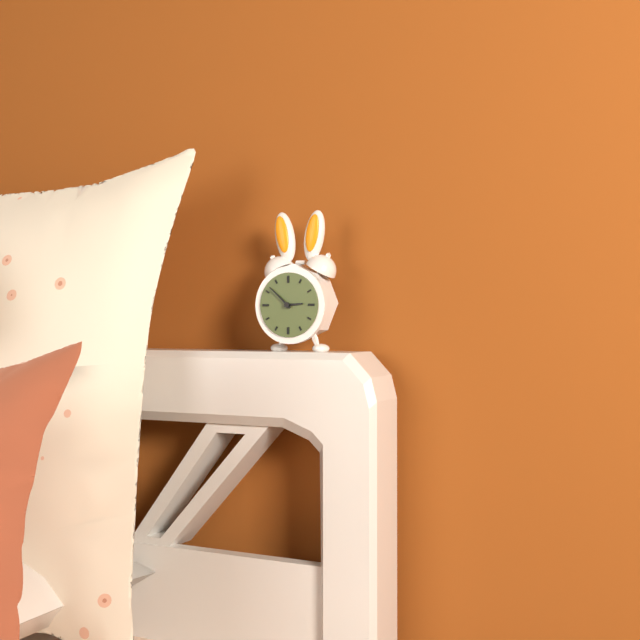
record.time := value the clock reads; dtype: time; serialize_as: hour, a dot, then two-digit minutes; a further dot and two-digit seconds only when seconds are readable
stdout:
2.52
